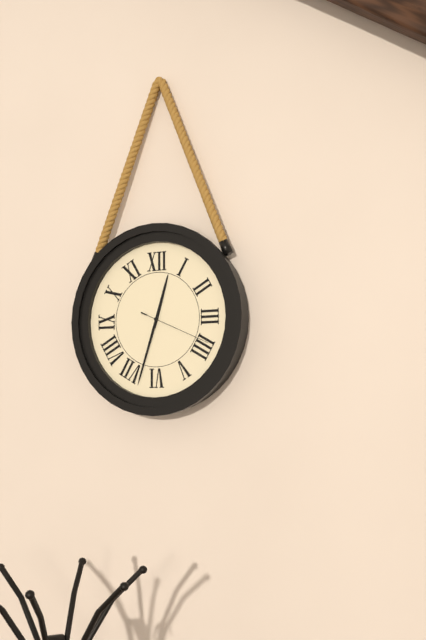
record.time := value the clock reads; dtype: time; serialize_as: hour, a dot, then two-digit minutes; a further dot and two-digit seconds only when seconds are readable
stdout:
12.33.19
